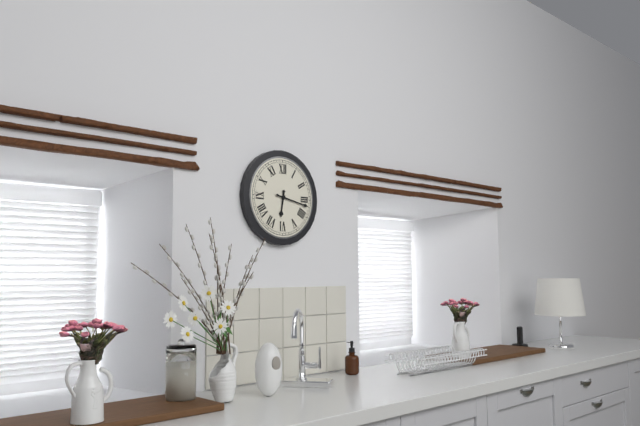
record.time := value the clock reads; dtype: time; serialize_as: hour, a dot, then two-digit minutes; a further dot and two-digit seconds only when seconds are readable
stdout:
6.17
